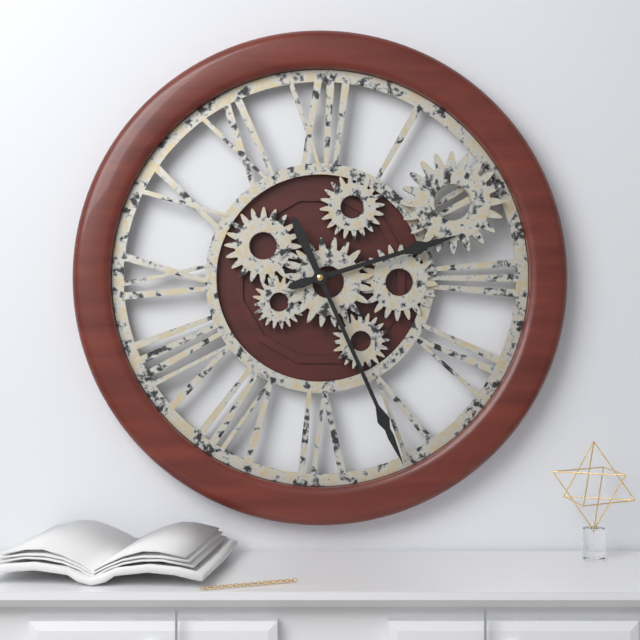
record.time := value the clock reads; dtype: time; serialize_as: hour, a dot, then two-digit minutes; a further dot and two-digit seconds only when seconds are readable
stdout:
2.26
